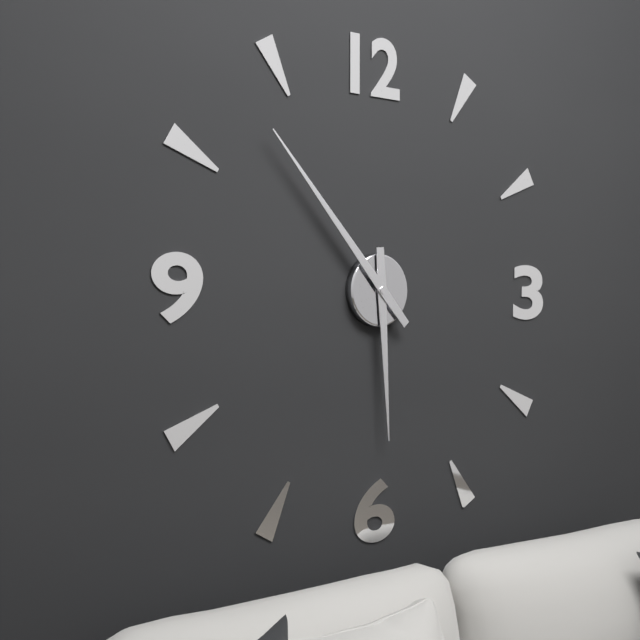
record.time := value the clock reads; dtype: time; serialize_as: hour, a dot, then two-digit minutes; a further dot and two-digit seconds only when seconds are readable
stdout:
5.53
